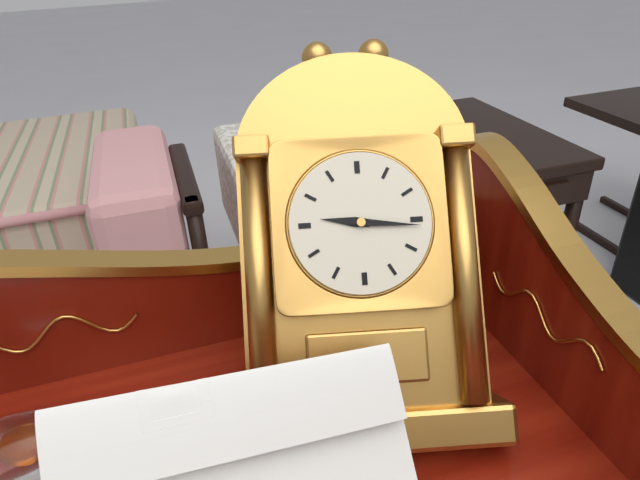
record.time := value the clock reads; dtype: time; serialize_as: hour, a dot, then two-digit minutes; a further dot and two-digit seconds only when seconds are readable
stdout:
9.16
